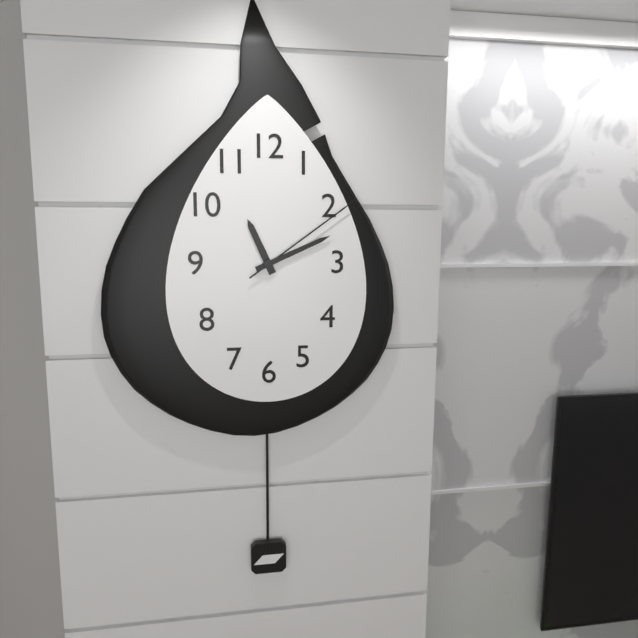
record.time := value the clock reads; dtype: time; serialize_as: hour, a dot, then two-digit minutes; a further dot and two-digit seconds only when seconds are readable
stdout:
11.11.09
